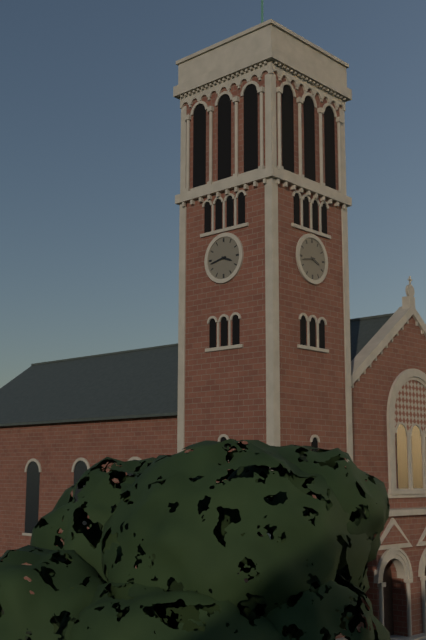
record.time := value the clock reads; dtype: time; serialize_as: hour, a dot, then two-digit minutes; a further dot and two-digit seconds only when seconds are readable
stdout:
3.43
